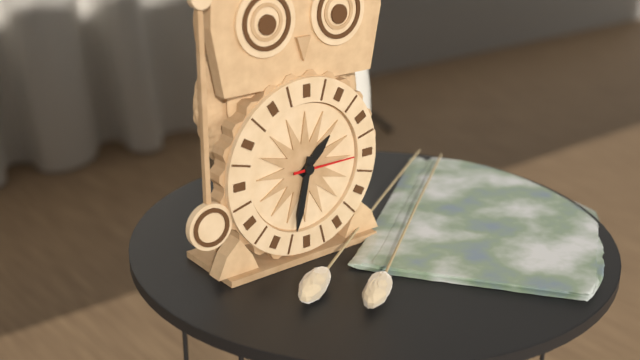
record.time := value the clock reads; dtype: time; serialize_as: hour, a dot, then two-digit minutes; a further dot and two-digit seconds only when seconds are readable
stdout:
1.32.15
